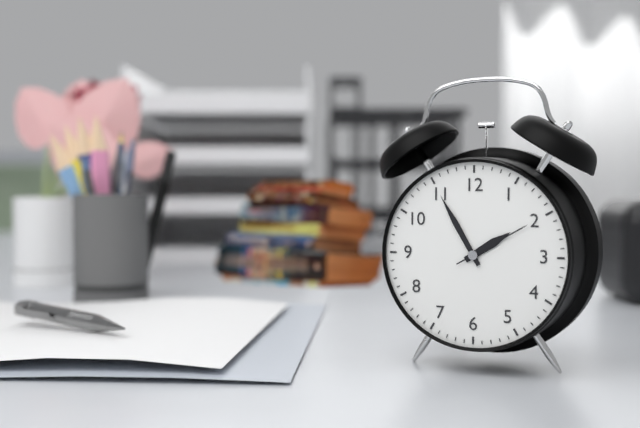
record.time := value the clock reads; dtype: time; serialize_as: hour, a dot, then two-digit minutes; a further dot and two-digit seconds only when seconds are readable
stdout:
1.55.10
